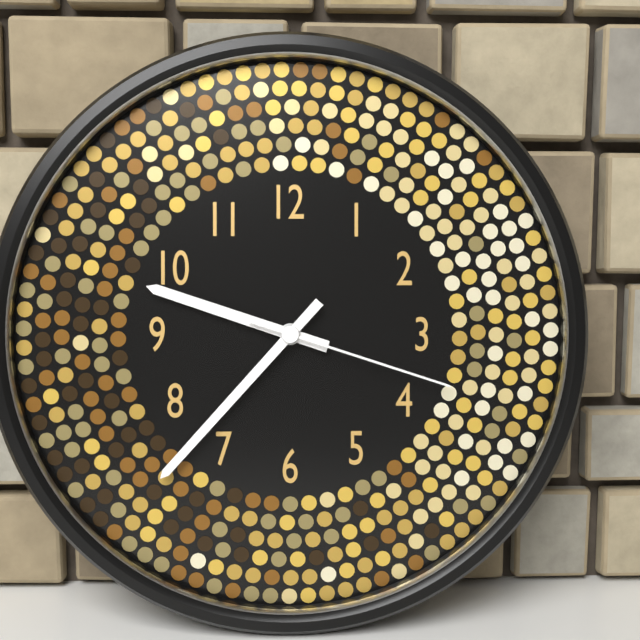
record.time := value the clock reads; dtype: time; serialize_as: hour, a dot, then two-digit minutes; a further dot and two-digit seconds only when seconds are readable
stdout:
9.37.18
